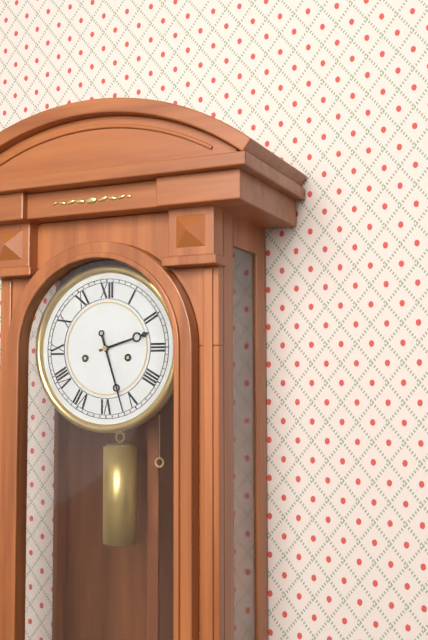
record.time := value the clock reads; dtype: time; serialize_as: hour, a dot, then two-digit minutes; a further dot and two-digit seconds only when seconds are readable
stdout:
2.27
